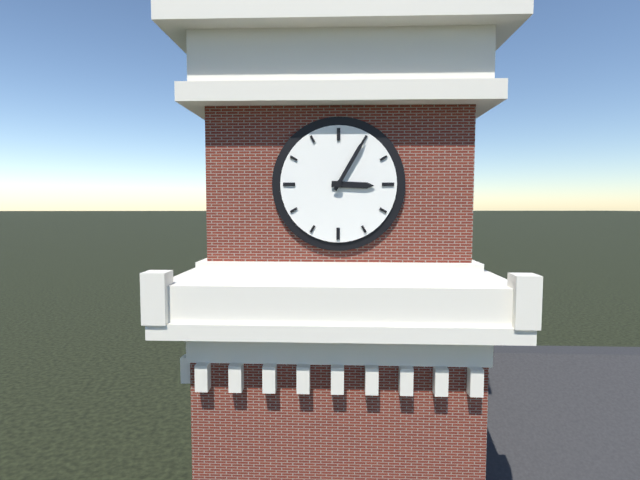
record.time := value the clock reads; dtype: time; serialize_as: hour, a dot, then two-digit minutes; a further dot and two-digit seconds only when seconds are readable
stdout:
3.05
